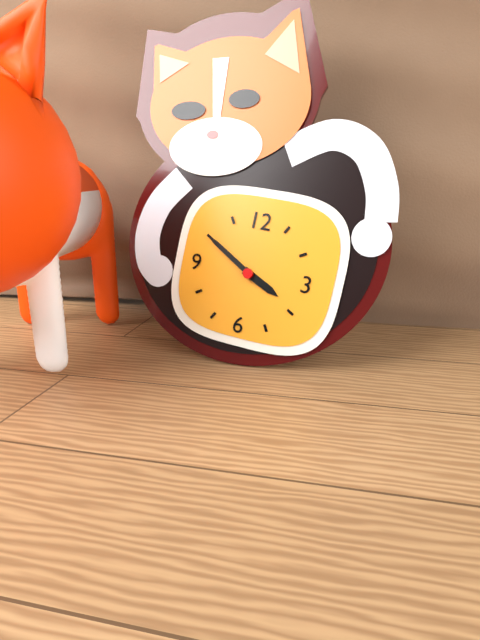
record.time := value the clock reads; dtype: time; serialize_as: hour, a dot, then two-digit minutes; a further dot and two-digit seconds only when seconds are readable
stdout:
3.50
